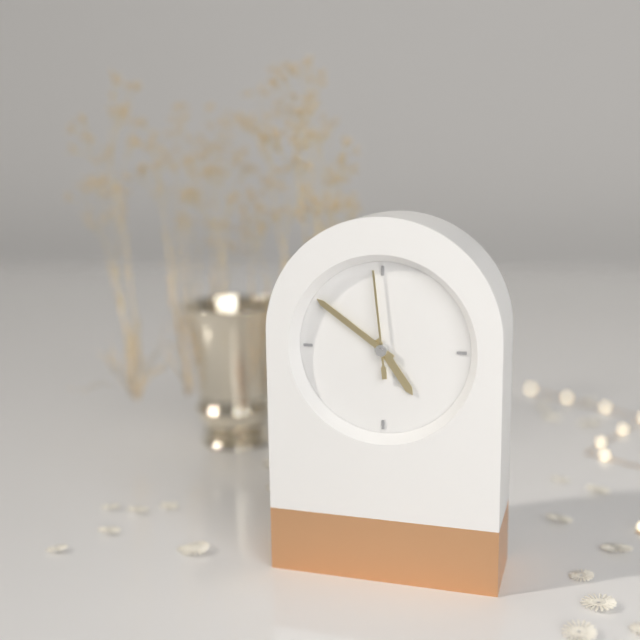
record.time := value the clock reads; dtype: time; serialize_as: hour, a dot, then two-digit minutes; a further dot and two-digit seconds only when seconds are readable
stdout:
4.51.59
